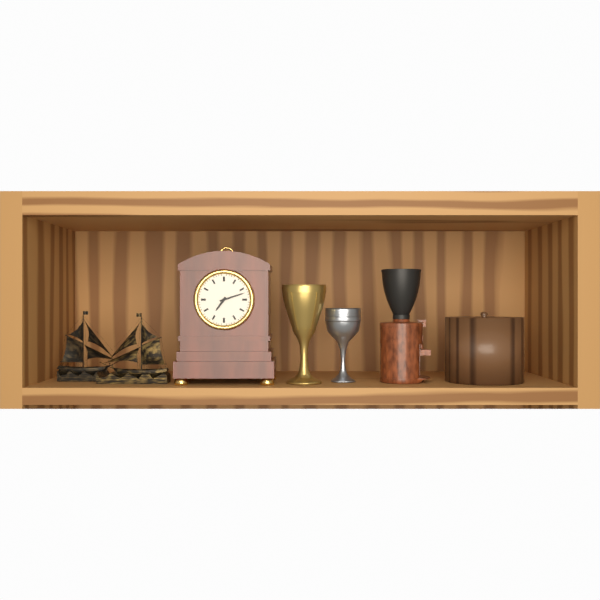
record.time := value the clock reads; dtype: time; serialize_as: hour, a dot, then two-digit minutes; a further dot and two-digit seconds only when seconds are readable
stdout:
7.12
